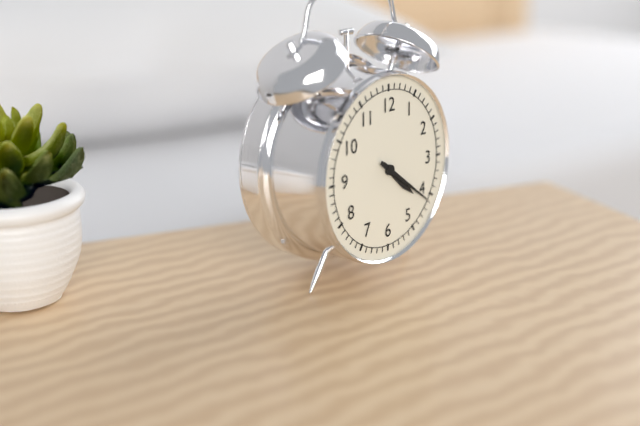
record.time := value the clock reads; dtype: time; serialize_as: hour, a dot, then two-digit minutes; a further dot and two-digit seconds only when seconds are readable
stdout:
4.21
